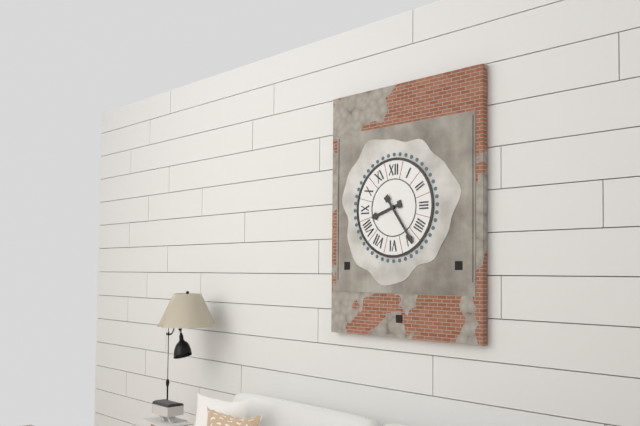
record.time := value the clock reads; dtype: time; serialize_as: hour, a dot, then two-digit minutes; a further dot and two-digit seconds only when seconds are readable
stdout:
8.24
